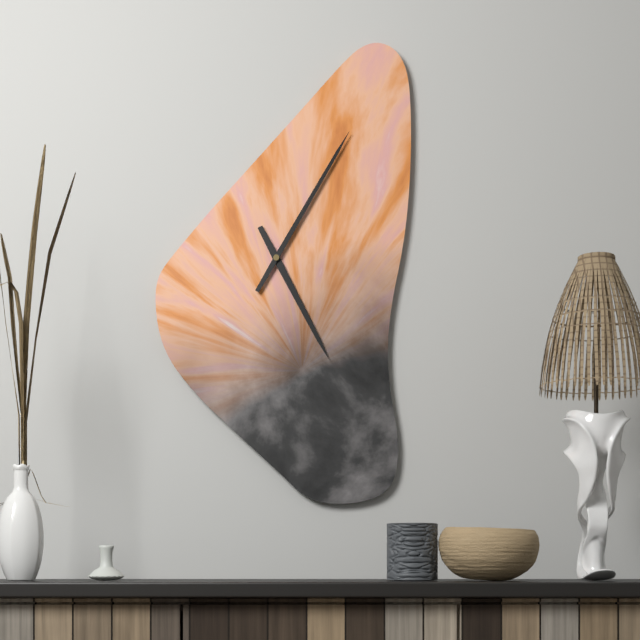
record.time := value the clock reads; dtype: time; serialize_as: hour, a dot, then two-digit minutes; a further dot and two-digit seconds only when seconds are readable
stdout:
5.05
